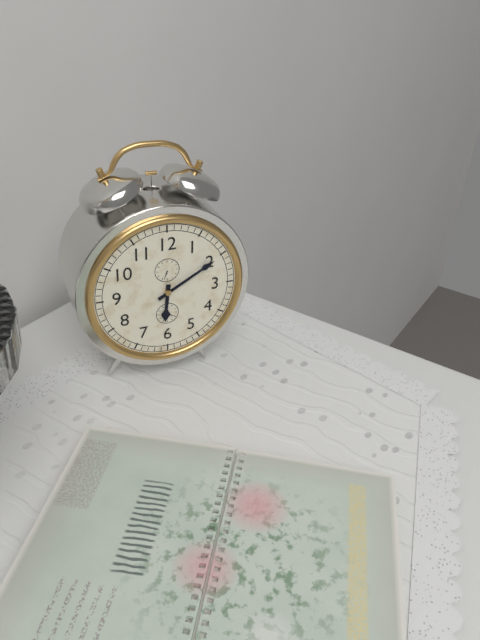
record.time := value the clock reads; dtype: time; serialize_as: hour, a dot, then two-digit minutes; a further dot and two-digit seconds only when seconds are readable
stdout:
6.10
